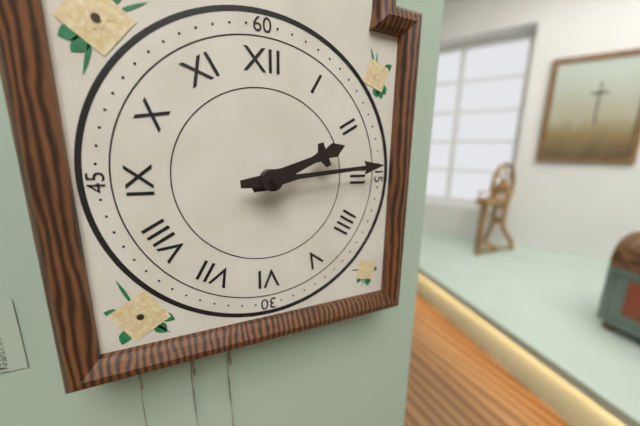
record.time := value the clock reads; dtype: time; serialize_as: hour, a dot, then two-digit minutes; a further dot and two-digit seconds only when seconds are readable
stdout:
2.14
